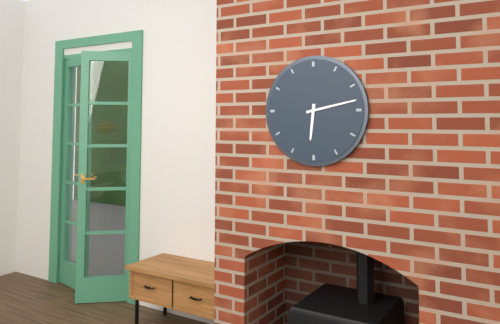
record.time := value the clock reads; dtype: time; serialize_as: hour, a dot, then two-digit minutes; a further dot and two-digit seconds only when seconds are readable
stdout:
6.13
